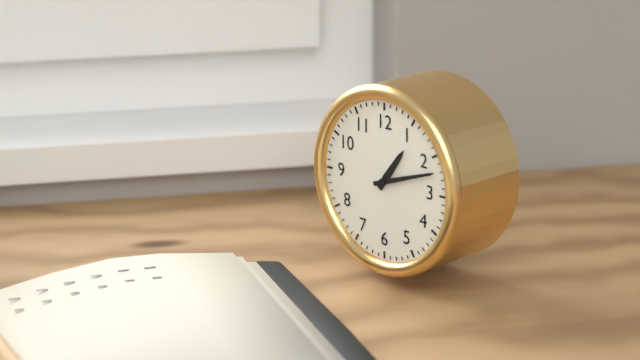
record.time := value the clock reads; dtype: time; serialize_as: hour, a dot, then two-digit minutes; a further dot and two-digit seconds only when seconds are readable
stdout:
1.12
